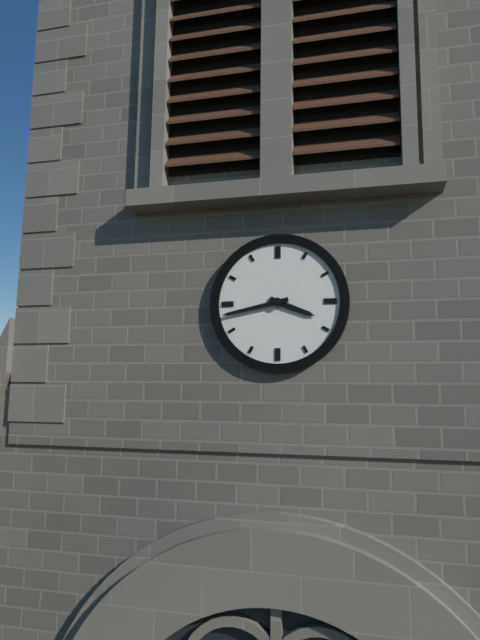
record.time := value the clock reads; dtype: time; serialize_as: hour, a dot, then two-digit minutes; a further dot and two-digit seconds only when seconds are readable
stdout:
3.43
